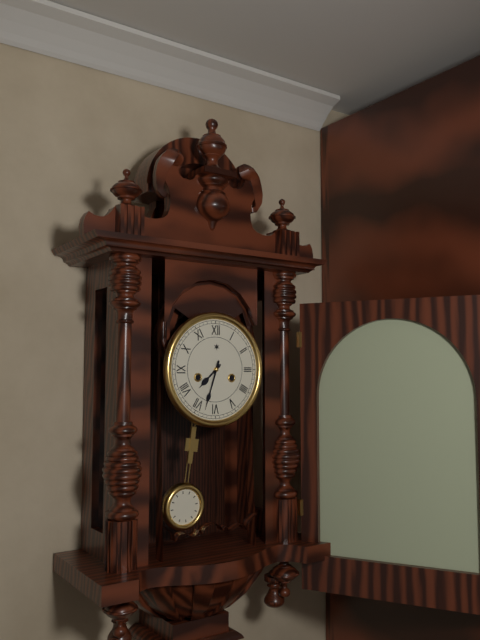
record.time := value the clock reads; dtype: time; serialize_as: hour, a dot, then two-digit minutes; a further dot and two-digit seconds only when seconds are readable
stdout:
7.33
